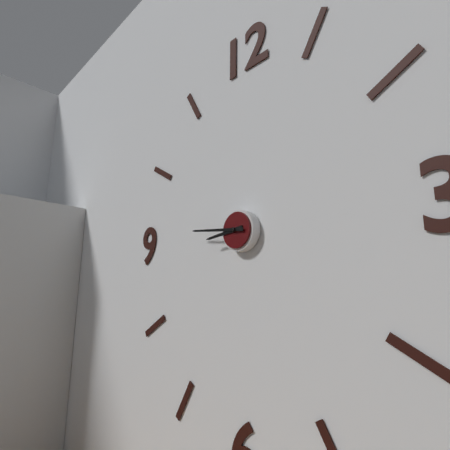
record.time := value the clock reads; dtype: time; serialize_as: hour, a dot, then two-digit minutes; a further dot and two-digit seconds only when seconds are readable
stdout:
8.46
